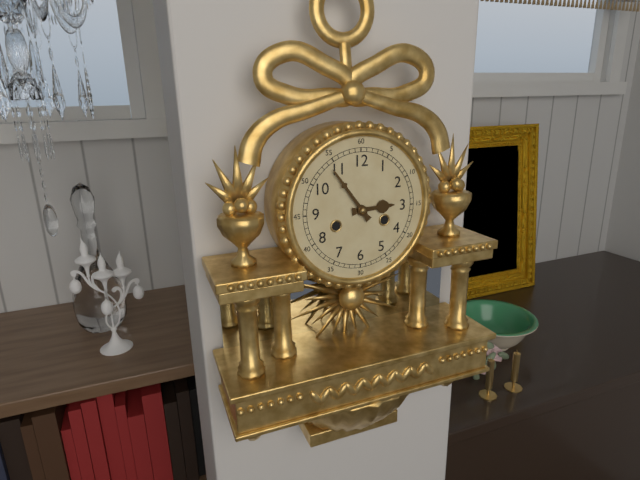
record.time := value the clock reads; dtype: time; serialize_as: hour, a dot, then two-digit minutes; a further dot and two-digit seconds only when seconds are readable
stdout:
2.54
